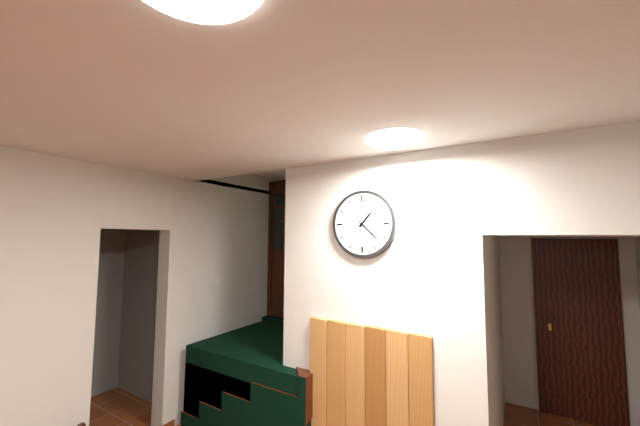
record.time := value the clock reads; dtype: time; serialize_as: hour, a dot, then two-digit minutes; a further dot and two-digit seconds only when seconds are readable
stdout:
1.22
